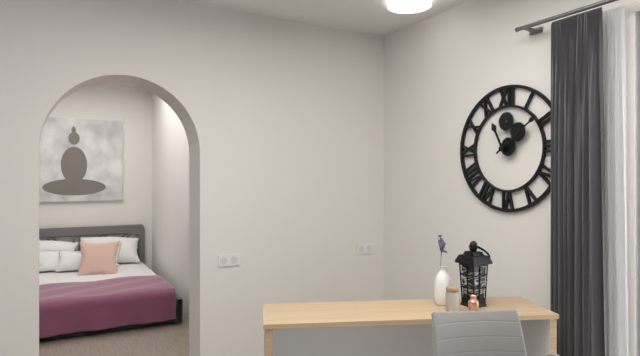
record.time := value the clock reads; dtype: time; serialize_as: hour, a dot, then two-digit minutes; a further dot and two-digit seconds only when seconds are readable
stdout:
11.09
